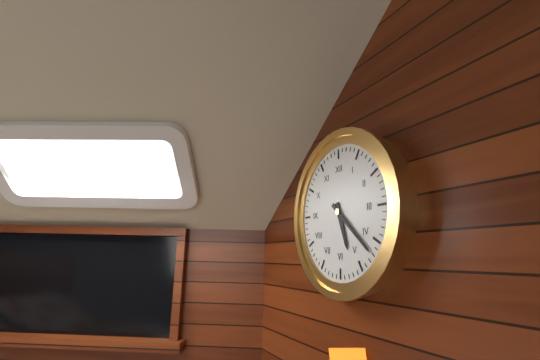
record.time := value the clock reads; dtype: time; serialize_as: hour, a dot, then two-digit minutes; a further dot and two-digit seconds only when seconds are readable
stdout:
5.22
